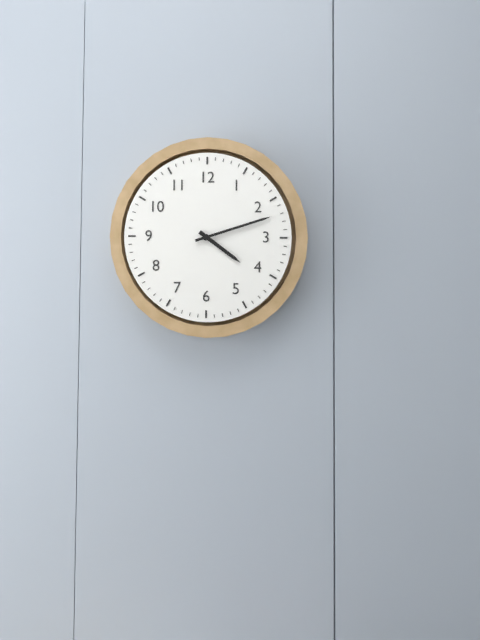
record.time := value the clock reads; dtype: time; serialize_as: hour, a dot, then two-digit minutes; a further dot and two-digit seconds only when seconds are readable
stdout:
4.12
